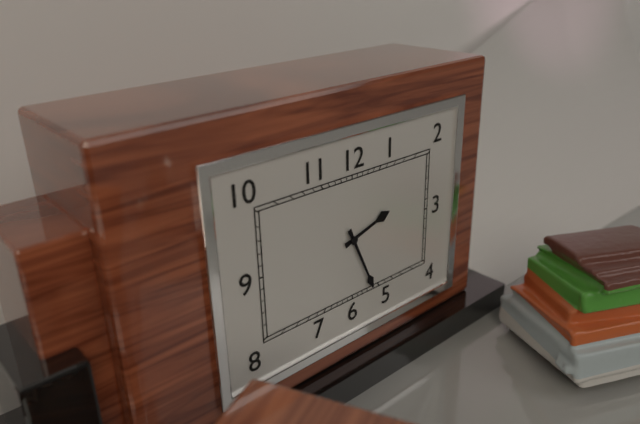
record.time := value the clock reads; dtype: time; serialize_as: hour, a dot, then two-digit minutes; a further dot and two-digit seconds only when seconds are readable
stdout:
2.26
